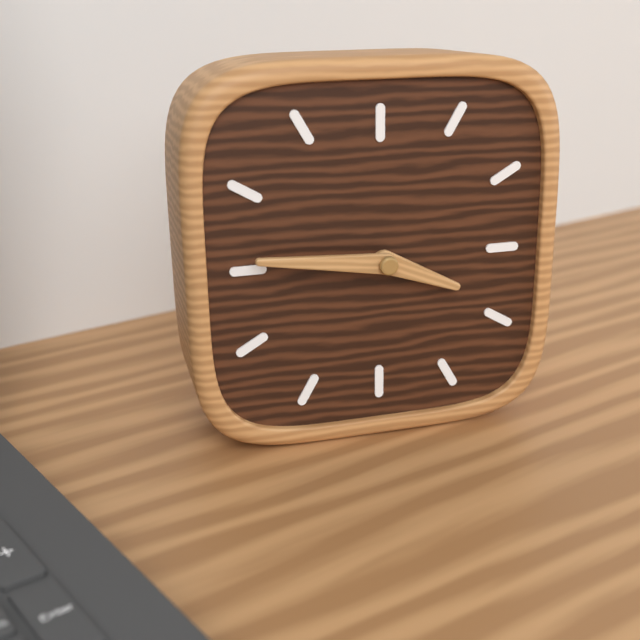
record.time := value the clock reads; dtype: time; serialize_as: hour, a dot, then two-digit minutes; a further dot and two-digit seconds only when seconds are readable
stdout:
3.46
